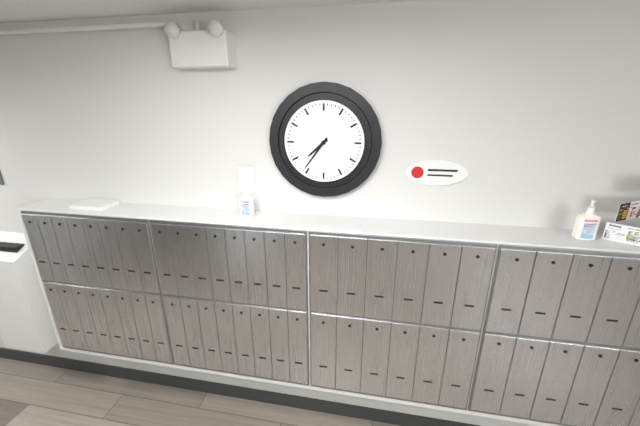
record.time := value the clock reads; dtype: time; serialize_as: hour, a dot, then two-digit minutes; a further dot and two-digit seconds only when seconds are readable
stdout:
7.36
